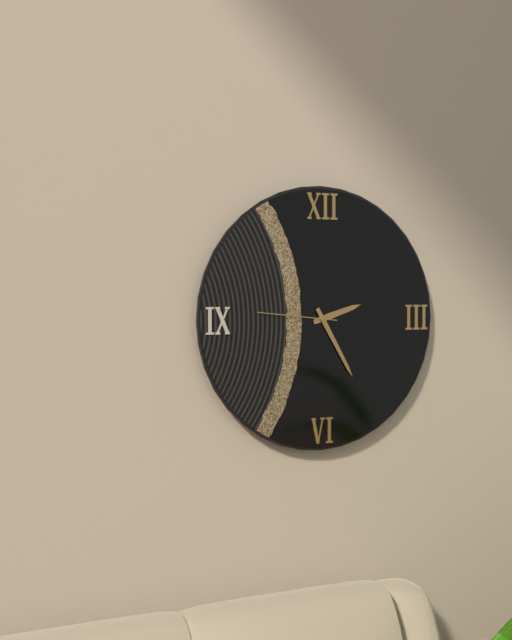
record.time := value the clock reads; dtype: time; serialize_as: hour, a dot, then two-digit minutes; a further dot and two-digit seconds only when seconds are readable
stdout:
2.25.46
